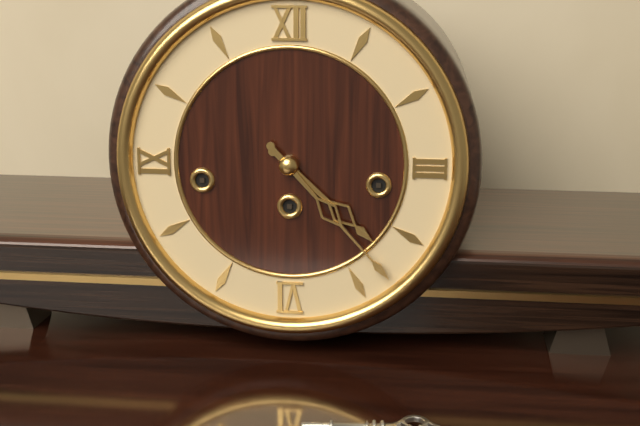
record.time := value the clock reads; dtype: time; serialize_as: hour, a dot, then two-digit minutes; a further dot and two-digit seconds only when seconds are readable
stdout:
4.23
